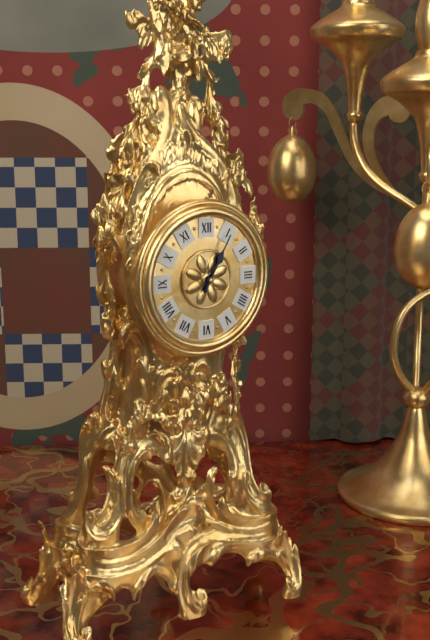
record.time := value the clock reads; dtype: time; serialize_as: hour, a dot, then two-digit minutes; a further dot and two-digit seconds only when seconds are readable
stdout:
1.05
